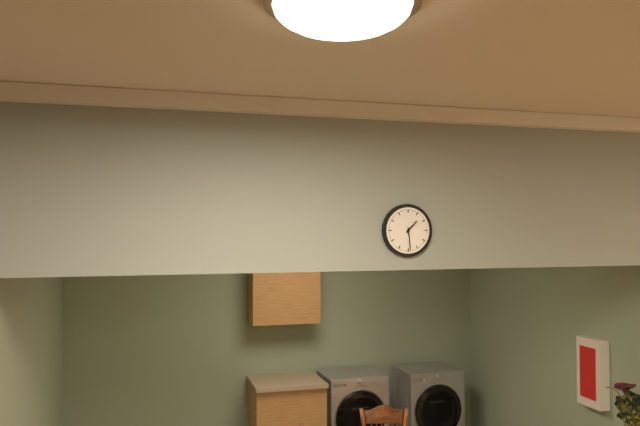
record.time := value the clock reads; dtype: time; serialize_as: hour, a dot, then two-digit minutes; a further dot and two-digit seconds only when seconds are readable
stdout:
1.29
